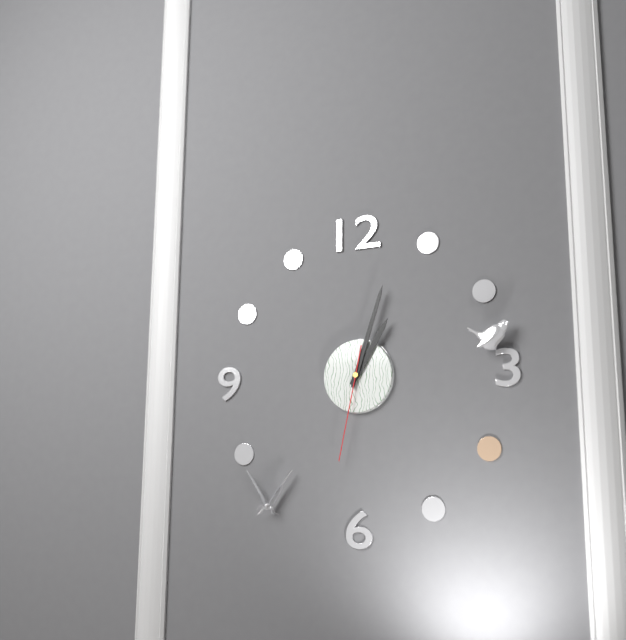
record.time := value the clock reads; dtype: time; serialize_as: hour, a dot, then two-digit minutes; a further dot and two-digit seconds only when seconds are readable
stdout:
1.03.32
